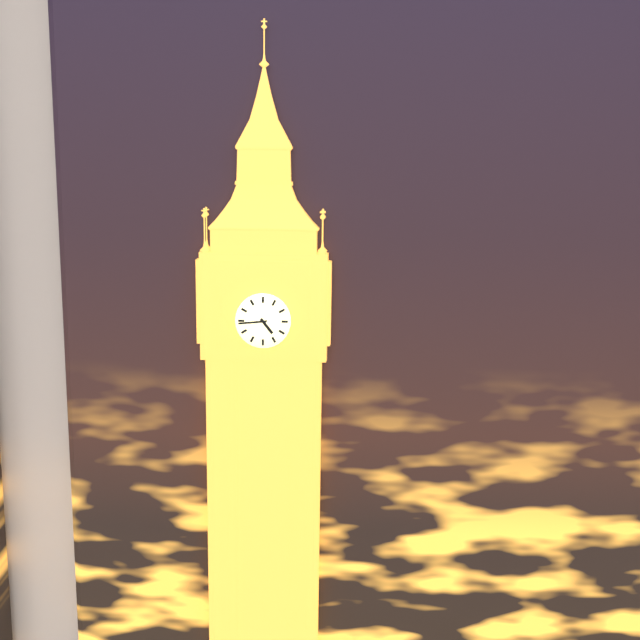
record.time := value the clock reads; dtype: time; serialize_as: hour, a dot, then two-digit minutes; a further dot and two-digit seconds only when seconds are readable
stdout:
4.44
